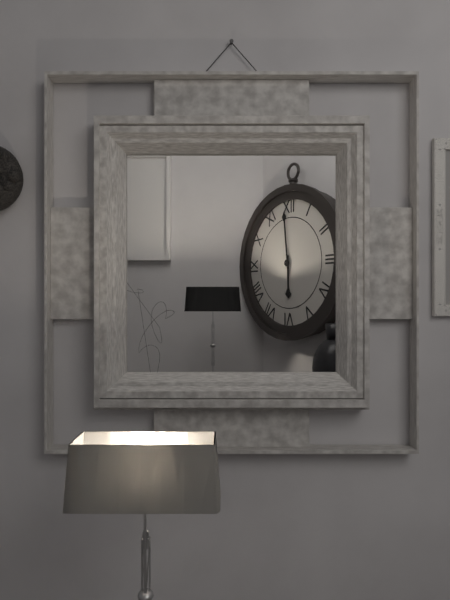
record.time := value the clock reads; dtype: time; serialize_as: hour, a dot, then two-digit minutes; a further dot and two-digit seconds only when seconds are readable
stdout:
5.59
